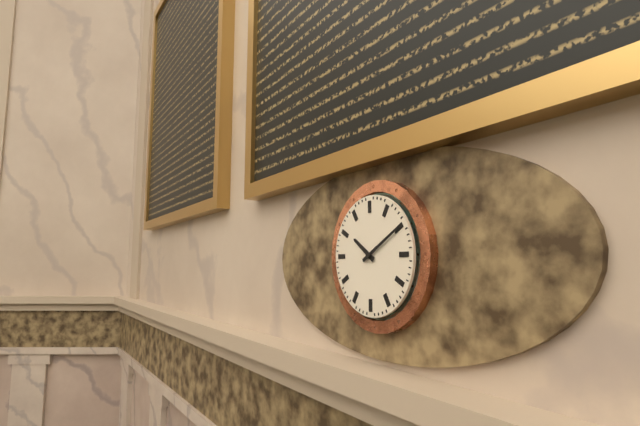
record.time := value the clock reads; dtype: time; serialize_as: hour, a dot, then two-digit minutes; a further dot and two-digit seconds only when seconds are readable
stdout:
10.10
